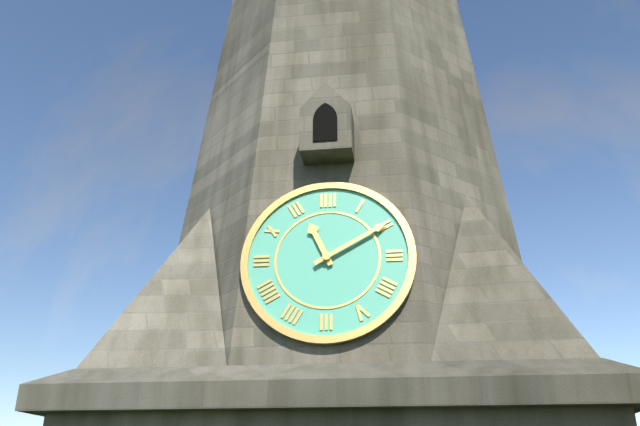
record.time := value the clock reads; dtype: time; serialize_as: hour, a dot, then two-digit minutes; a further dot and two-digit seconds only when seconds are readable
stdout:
11.10
